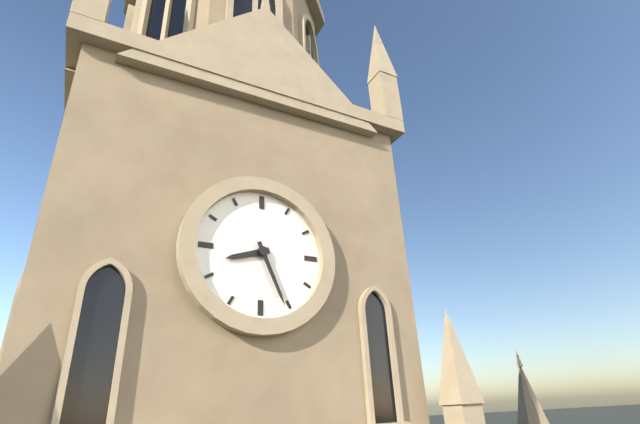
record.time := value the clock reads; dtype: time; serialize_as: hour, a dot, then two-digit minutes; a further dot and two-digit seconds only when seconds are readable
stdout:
8.26
